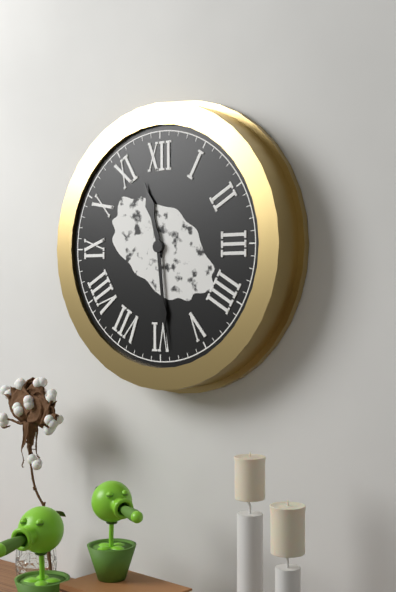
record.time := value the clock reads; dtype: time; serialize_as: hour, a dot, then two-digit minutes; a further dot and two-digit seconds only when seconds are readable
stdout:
11.29
